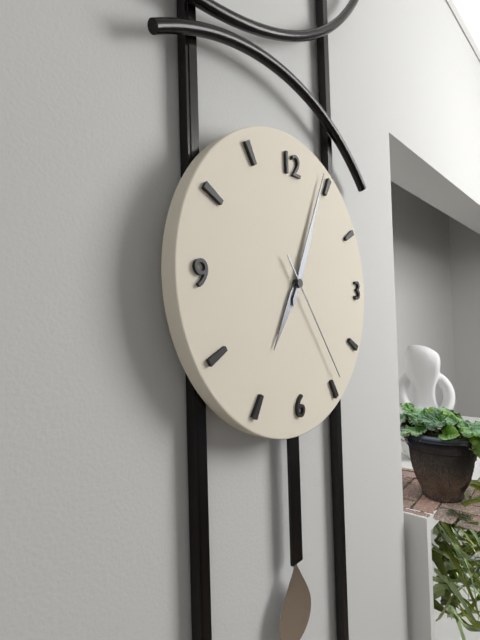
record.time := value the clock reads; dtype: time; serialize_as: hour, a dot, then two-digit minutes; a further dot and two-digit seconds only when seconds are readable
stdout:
7.04.24
